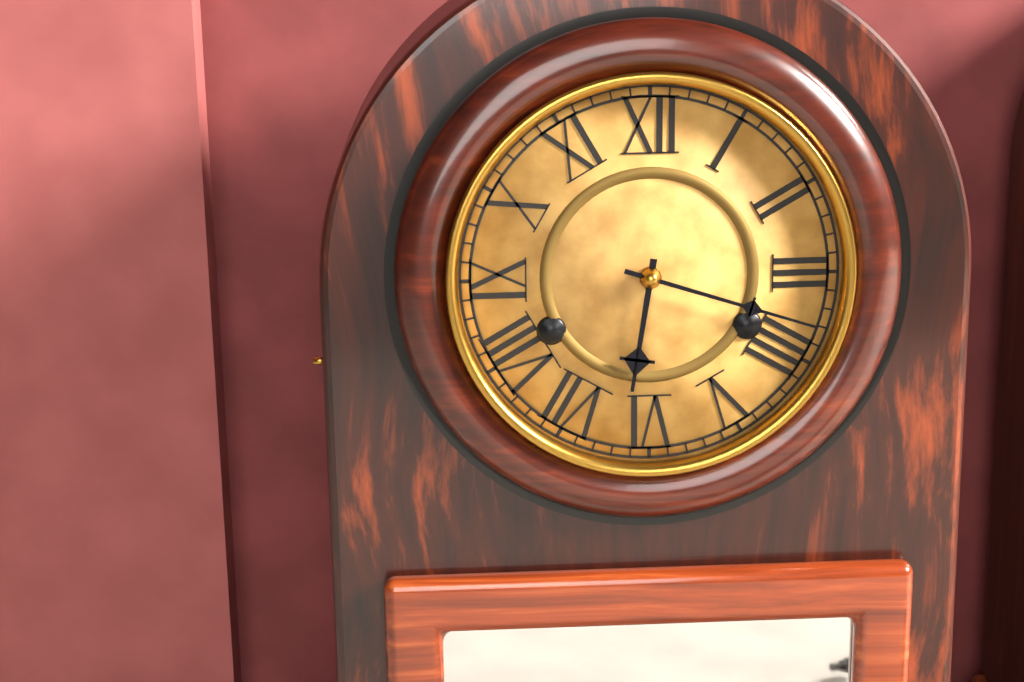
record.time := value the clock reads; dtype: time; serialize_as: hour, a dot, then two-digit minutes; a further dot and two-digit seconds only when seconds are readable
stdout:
6.18
